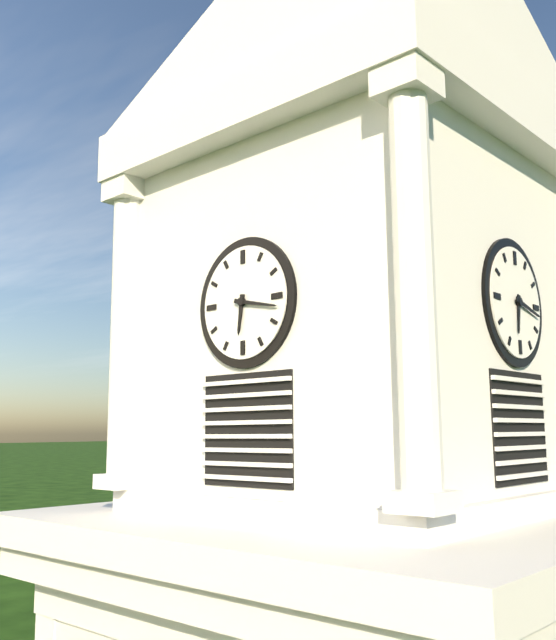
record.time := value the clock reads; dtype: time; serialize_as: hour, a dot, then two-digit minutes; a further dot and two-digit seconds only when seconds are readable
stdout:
6.17
